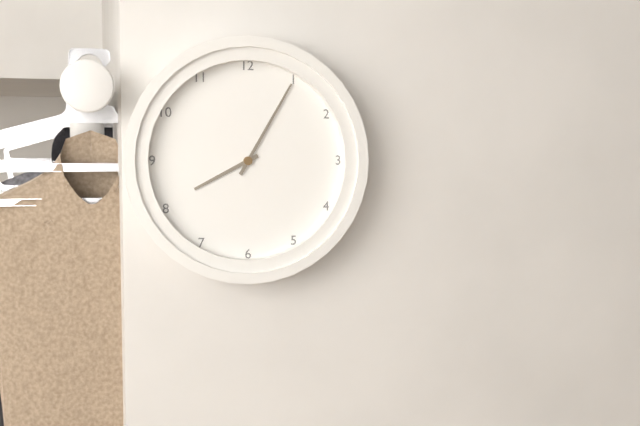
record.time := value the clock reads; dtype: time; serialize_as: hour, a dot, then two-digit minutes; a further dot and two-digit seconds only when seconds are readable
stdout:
8.05
